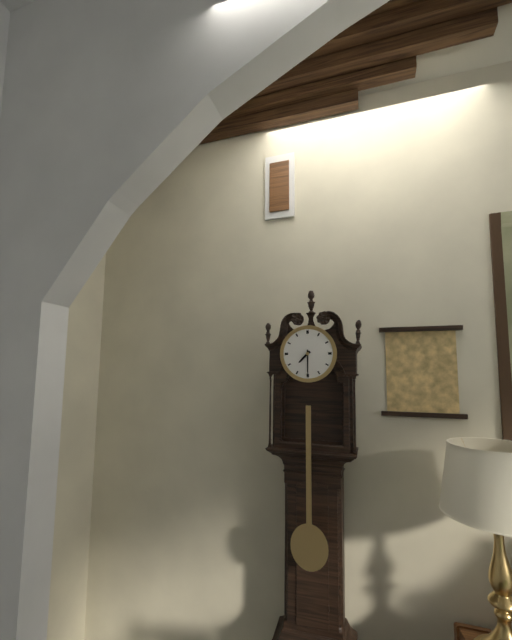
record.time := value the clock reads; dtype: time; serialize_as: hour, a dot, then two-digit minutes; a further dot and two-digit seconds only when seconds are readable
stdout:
7.30
